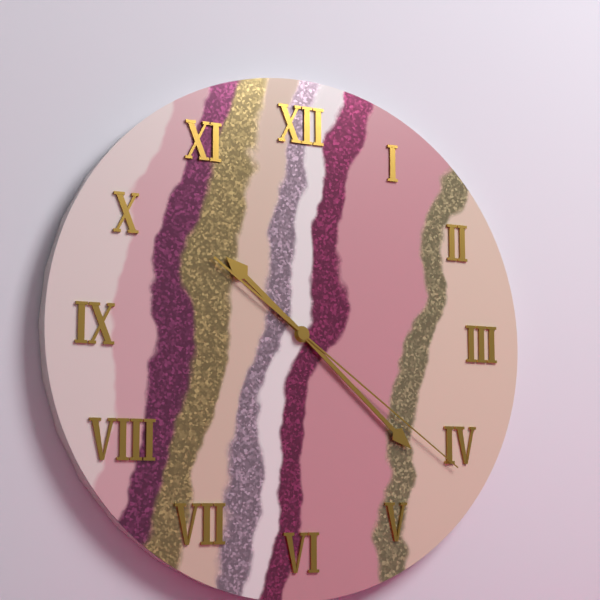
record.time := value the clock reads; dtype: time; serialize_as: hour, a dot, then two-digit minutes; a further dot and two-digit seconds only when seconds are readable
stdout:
10.22.21
